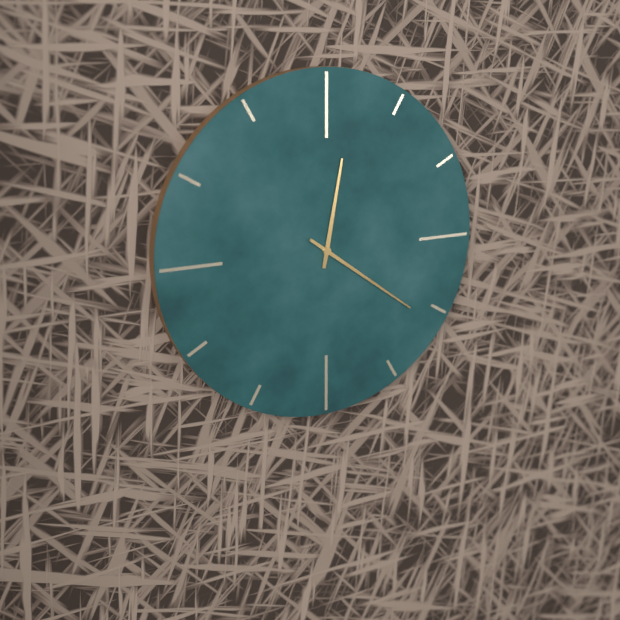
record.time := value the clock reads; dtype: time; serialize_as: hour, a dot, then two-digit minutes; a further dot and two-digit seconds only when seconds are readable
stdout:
12.21
